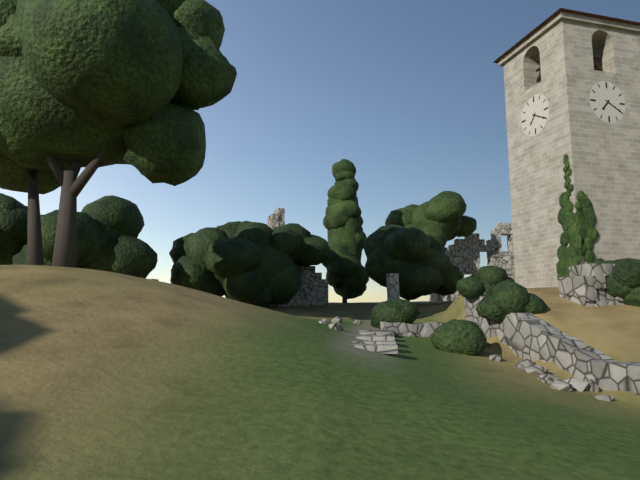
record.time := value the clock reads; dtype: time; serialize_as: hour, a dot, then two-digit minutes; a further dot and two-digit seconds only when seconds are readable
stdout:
7.20
